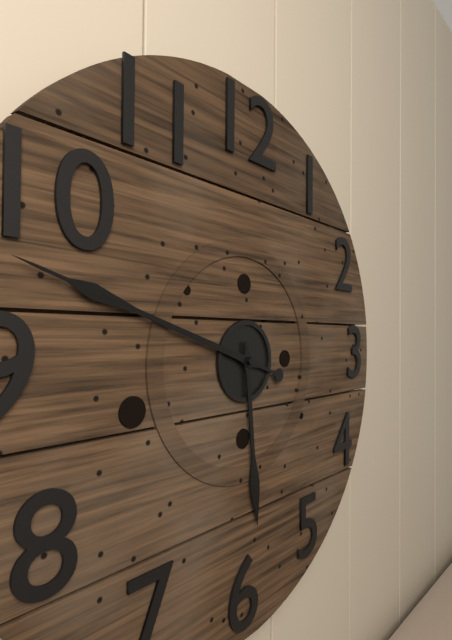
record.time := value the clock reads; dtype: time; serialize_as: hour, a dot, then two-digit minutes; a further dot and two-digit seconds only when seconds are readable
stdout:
5.48
